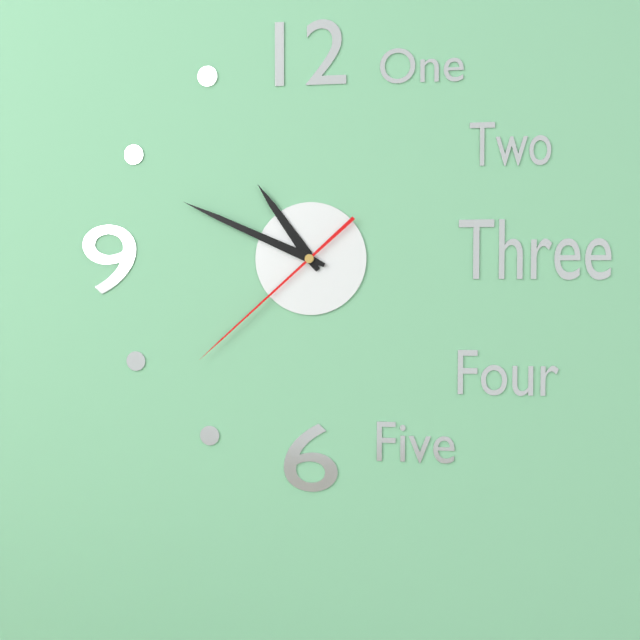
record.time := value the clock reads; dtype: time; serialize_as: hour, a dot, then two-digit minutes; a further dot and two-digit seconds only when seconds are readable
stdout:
10.49.38
